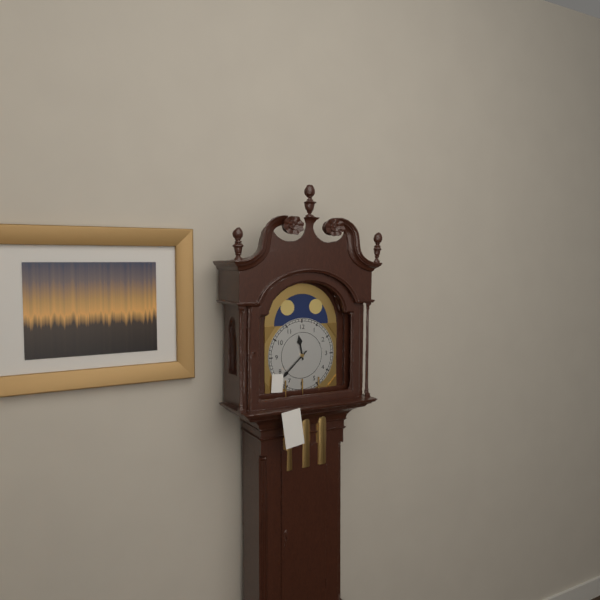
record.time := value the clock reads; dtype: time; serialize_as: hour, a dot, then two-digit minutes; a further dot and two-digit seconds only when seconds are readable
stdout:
11.38
